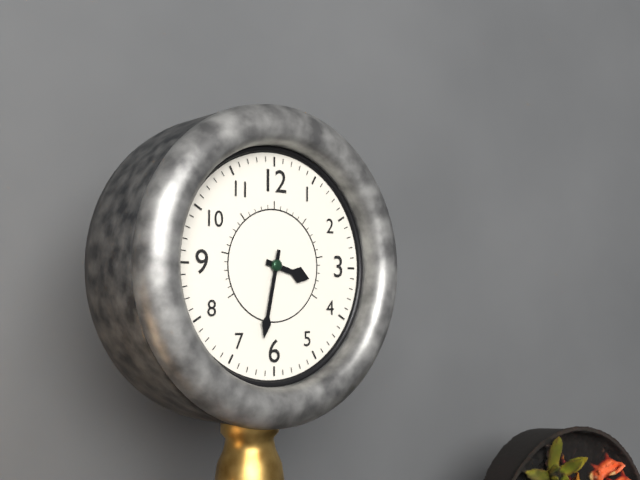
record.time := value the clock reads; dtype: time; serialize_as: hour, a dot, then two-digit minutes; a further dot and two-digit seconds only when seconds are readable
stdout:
3.32
